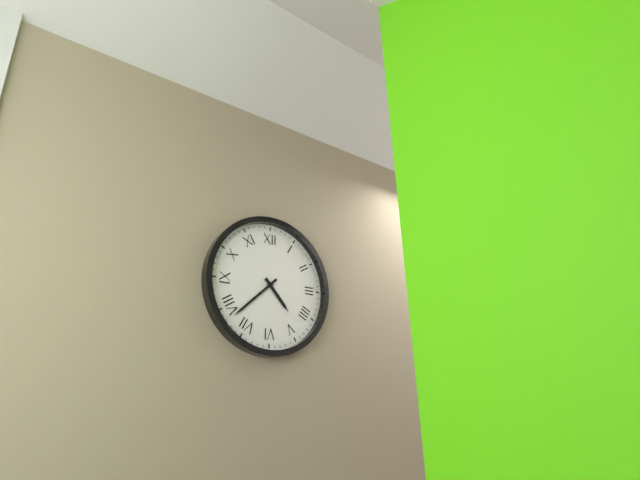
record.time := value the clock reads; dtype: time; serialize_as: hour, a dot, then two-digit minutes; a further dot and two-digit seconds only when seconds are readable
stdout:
4.38
